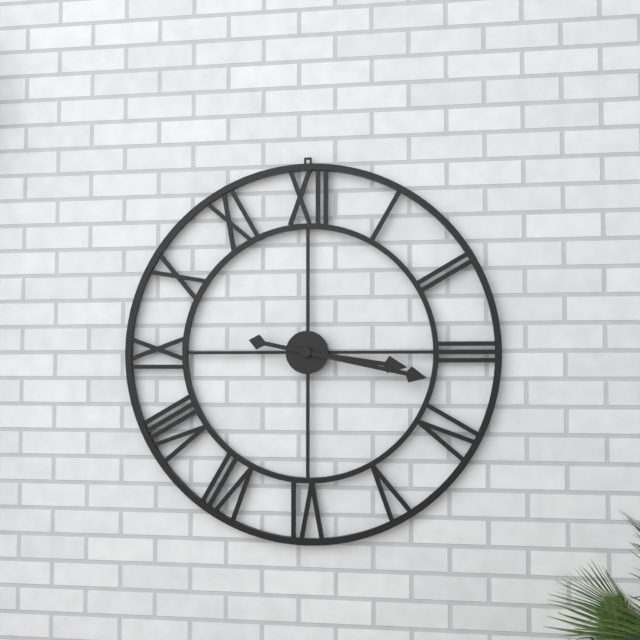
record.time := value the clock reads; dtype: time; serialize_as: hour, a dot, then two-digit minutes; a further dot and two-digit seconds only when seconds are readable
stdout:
3.17
